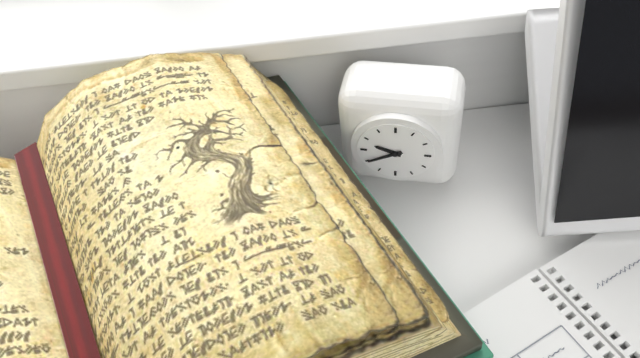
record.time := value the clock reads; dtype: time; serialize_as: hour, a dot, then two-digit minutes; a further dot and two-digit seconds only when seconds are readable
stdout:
9.40
